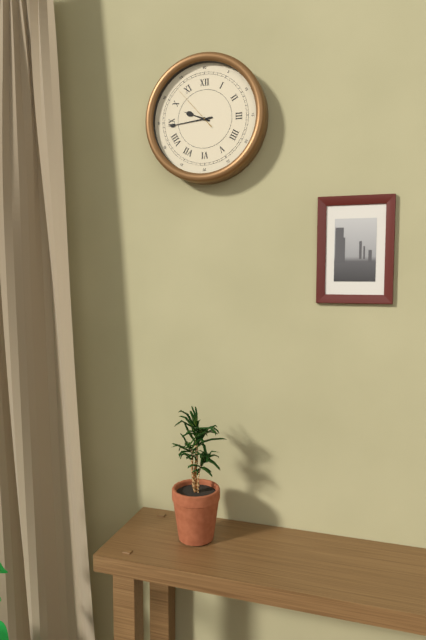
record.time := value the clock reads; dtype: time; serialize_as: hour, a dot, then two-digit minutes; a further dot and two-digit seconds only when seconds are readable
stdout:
9.44
